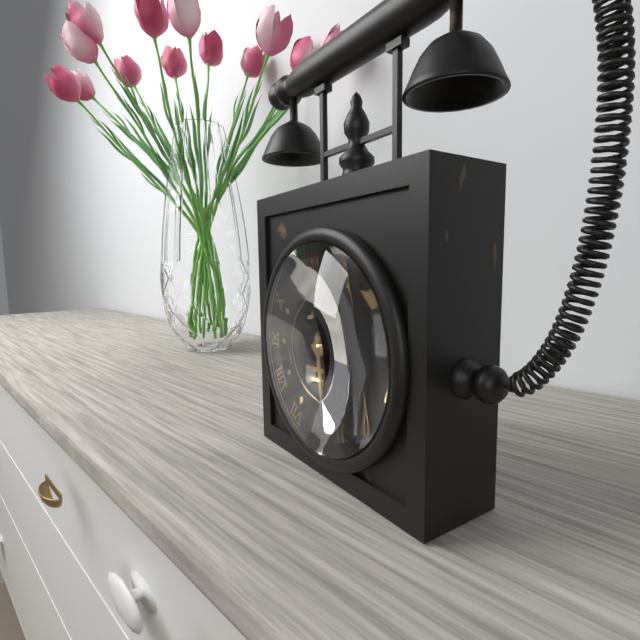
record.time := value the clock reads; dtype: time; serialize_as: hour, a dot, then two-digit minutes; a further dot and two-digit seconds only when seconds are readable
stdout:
3.29
